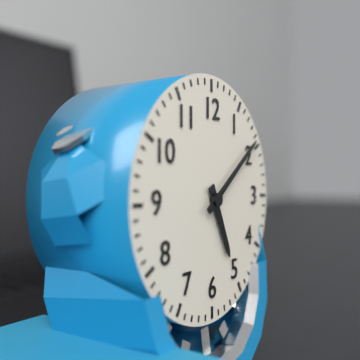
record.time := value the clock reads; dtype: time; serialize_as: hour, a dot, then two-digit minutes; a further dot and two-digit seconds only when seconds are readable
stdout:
5.09
